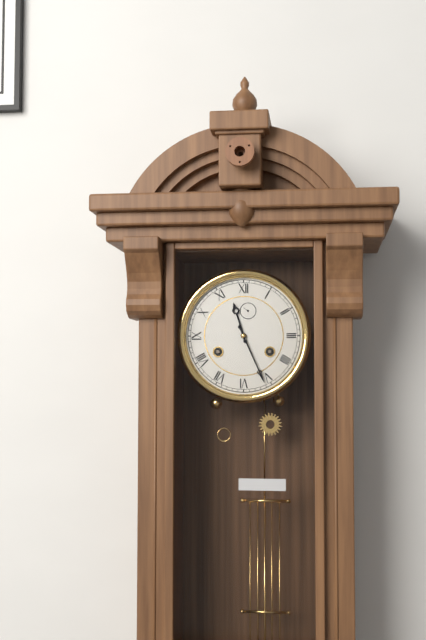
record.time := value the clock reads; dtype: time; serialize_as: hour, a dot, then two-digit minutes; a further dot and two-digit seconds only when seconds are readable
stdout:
11.26
